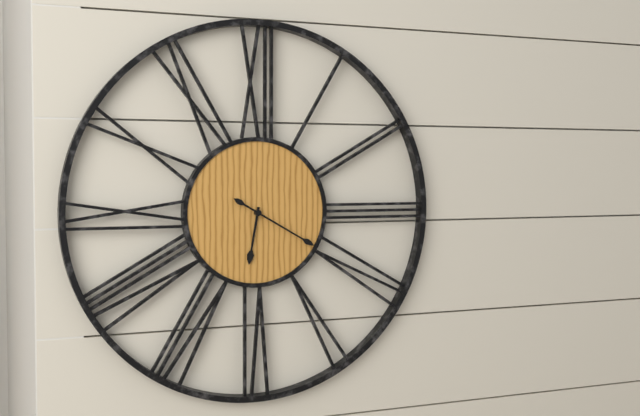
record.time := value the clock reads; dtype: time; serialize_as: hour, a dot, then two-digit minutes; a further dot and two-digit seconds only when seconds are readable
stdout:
6.20
